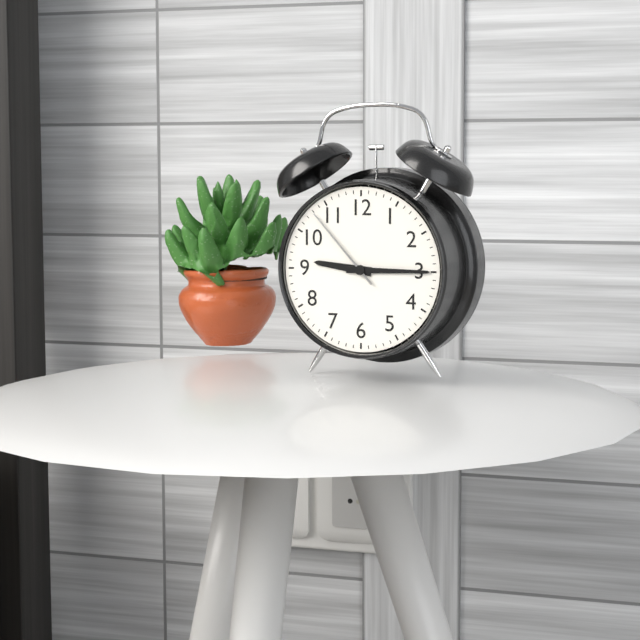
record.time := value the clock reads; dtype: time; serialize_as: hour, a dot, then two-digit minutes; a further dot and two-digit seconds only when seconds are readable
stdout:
9.15.53
